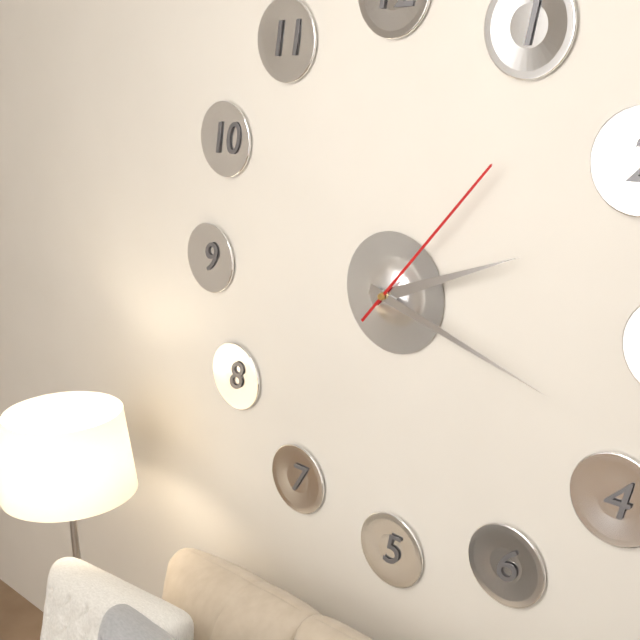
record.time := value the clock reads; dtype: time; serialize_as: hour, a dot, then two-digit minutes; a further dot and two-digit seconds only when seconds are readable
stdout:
2.18.07
